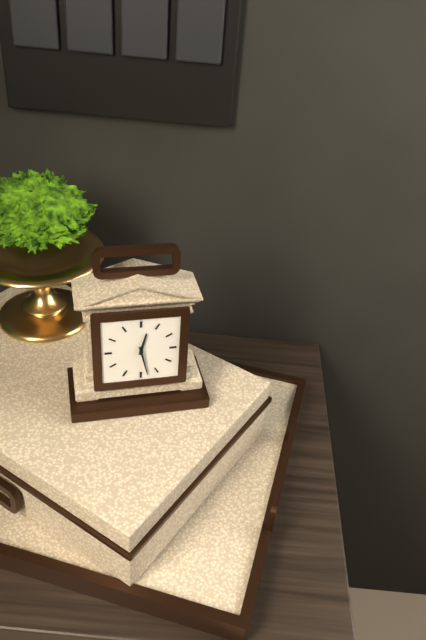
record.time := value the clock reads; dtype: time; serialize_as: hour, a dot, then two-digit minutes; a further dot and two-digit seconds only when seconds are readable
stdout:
12.28
